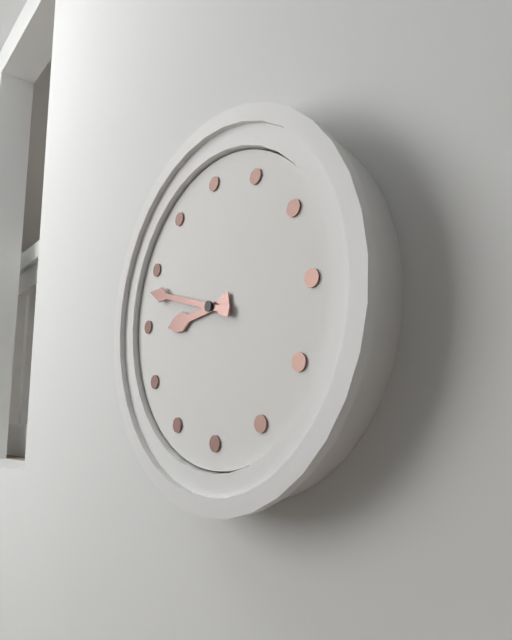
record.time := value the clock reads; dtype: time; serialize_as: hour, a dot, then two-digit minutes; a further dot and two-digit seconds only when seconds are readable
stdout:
8.48
